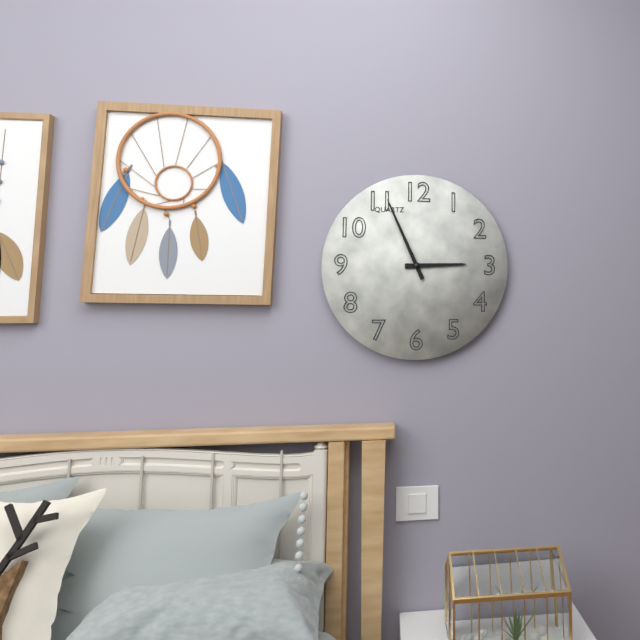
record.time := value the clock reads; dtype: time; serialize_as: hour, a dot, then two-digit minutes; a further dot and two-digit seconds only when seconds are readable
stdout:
2.56
